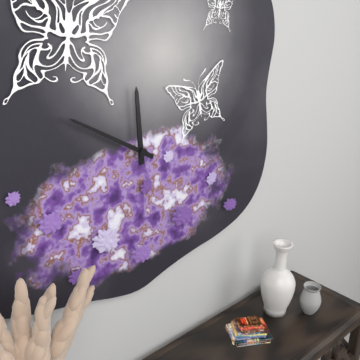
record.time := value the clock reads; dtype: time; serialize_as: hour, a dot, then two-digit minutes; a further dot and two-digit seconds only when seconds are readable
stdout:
11.50
